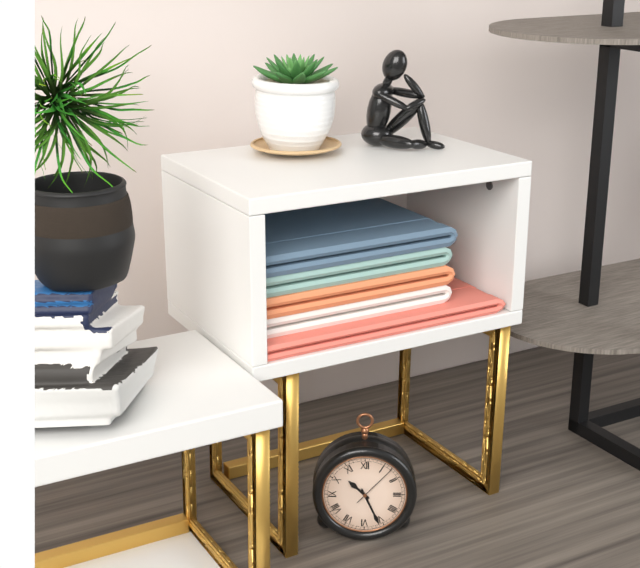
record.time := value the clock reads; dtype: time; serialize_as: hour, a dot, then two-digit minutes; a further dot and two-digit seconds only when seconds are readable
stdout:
10.26
